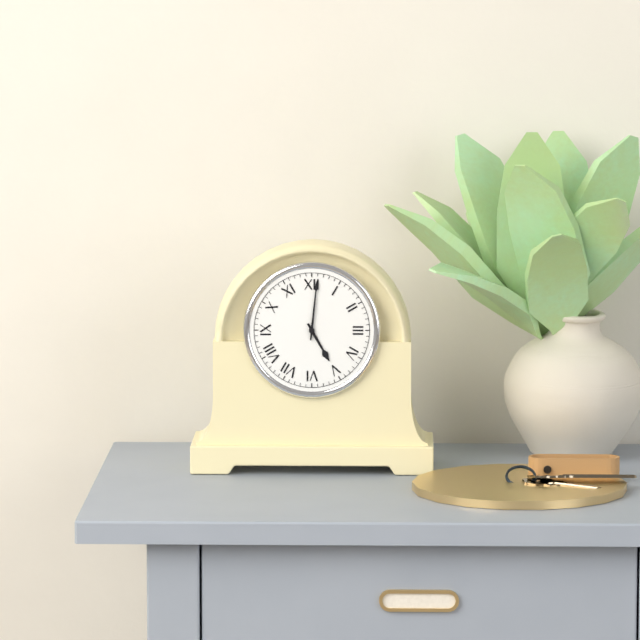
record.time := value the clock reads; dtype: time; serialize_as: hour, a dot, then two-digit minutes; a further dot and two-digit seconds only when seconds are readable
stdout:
5.01
